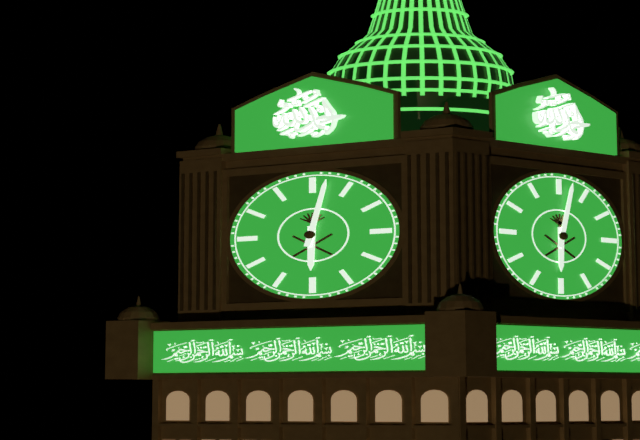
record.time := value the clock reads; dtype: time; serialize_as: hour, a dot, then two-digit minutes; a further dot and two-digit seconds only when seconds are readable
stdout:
6.02
